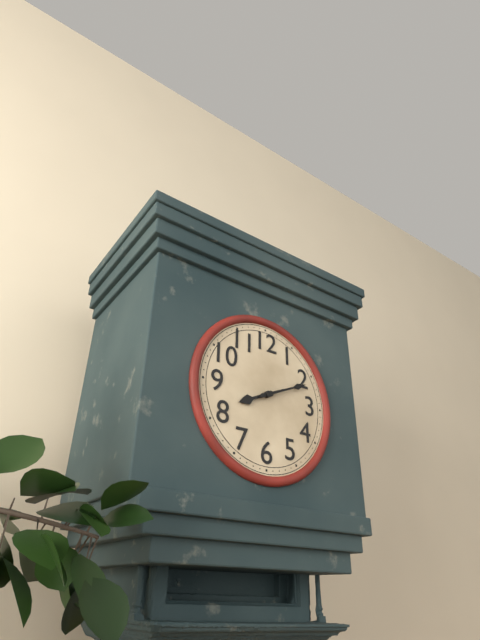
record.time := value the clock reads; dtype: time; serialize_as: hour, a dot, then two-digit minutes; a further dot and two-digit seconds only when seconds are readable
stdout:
8.11
